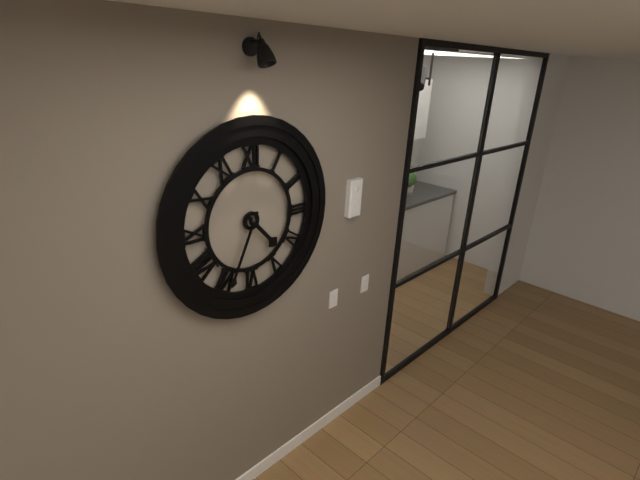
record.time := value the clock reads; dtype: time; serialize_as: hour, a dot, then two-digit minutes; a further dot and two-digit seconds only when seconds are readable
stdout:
4.34
